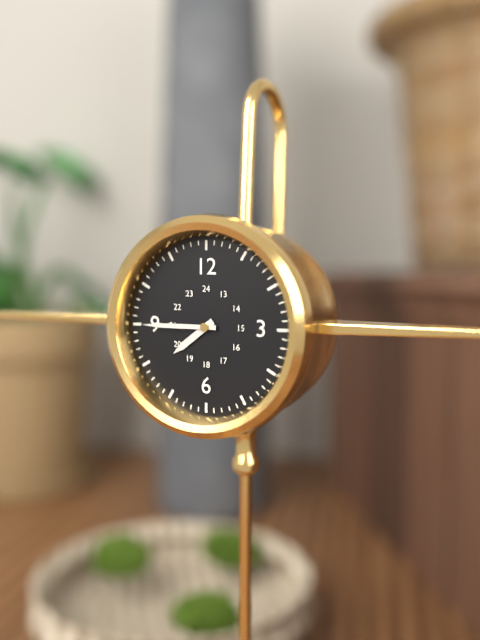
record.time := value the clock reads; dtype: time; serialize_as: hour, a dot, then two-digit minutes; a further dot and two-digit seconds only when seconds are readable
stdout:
7.45
